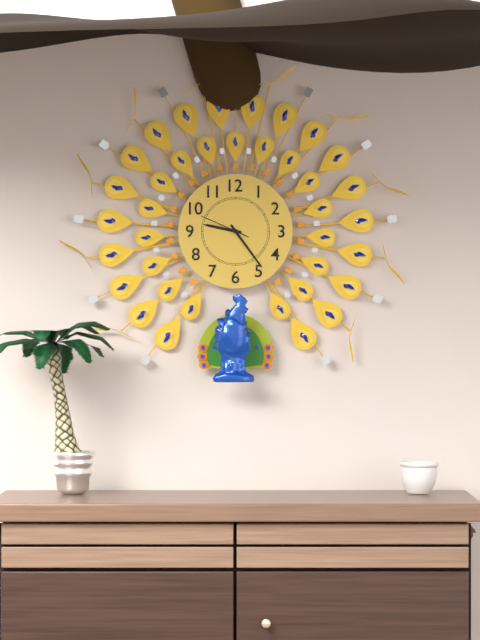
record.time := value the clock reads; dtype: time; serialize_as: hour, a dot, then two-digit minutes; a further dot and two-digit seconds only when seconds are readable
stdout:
9.24
